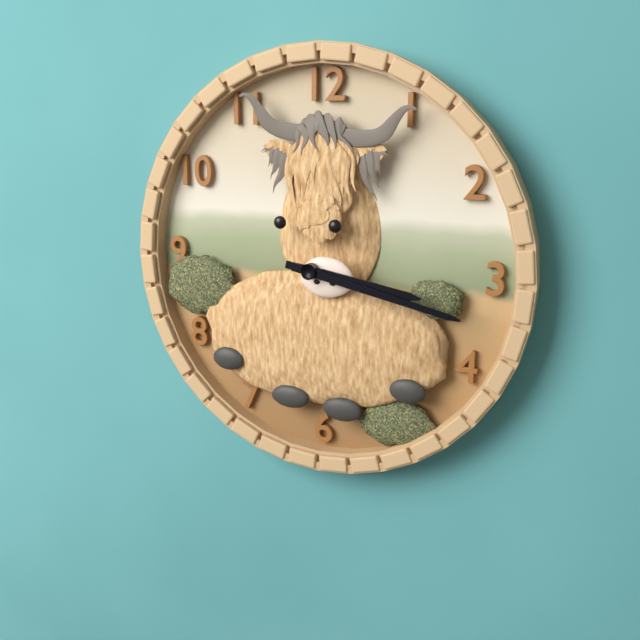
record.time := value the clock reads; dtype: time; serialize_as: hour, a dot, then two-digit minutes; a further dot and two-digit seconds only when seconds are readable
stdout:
3.17
